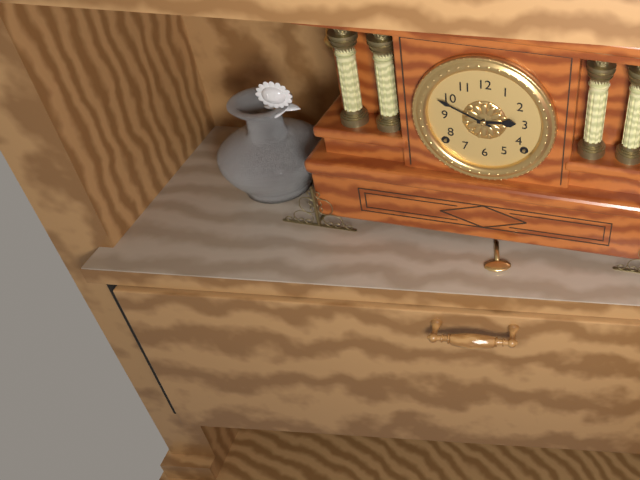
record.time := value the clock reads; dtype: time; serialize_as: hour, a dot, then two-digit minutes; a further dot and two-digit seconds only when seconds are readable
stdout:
2.49
